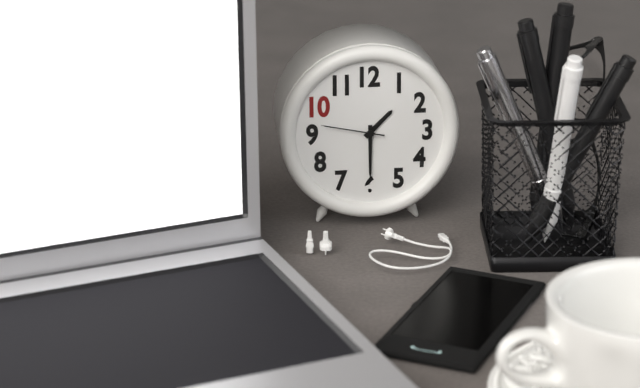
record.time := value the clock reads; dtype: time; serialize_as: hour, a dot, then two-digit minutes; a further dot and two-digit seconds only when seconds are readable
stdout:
1.30.47
